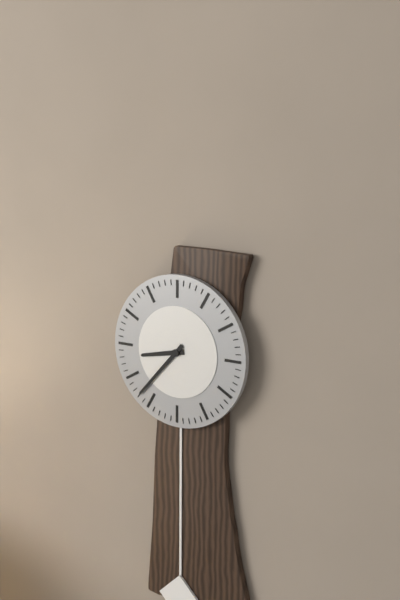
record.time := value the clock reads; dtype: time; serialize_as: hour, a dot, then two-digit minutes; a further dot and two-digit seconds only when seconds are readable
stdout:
8.37
